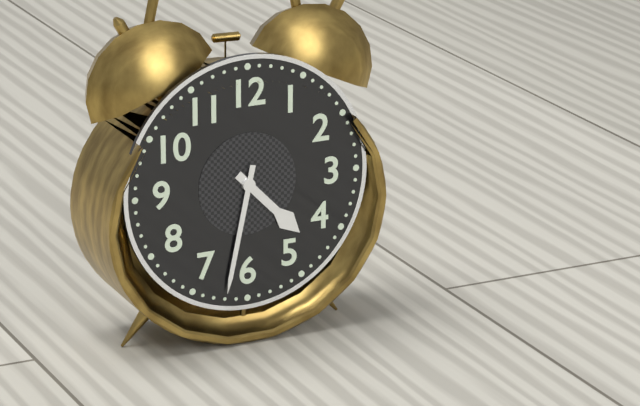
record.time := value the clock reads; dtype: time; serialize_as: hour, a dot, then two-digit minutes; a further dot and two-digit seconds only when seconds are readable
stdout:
4.32
